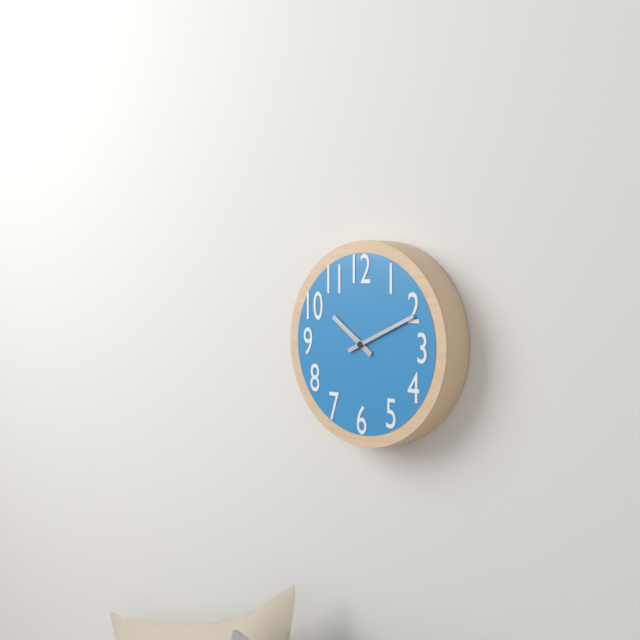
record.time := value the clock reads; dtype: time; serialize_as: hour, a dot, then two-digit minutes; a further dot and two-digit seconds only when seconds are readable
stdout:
10.11
